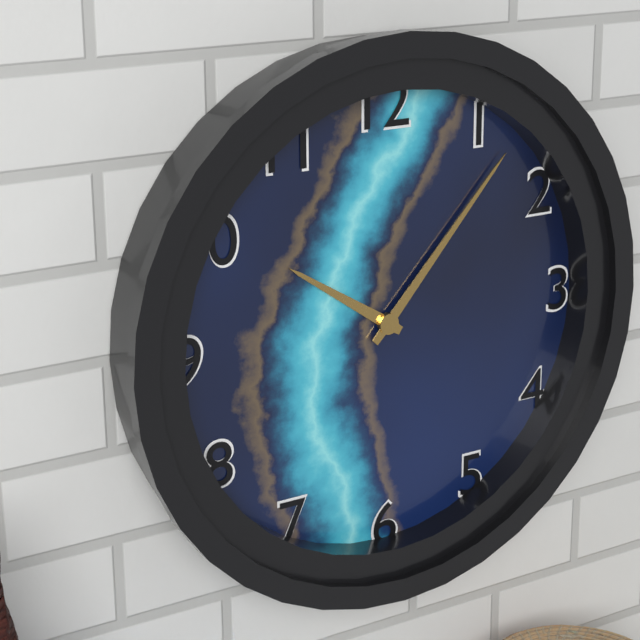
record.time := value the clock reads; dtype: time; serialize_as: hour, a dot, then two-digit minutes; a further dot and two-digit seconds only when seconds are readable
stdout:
10.07
